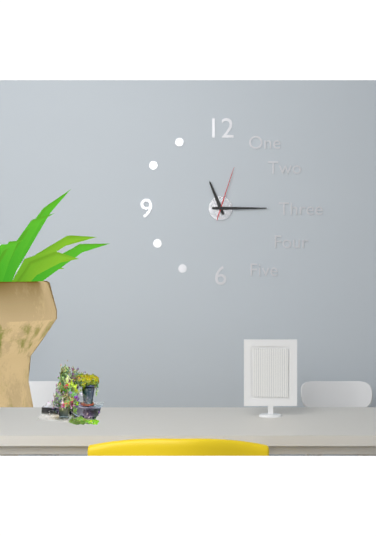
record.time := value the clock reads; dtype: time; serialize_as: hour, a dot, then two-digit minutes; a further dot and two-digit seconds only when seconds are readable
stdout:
11.15.03
